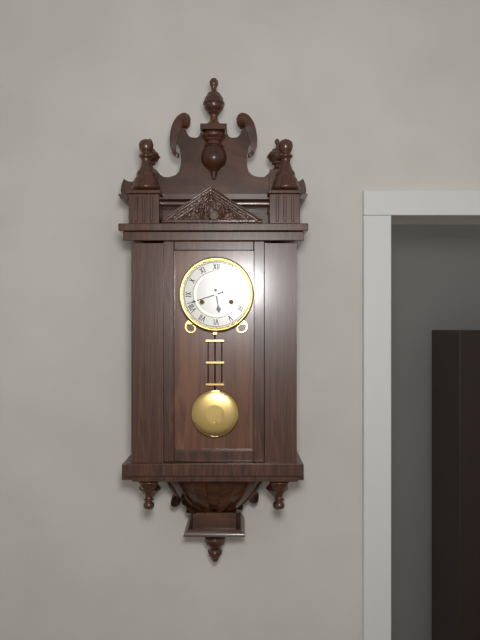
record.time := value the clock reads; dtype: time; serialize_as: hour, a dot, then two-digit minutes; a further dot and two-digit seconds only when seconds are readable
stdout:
5.42
